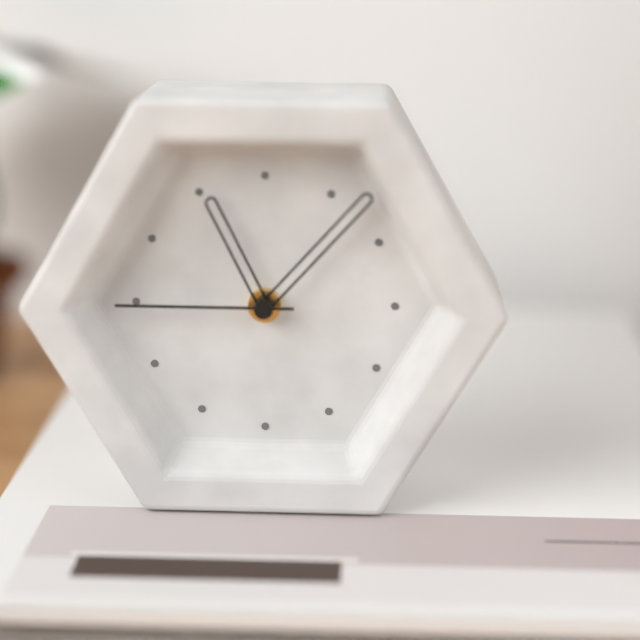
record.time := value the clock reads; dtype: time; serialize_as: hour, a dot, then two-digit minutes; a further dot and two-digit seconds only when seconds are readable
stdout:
11.07.45
